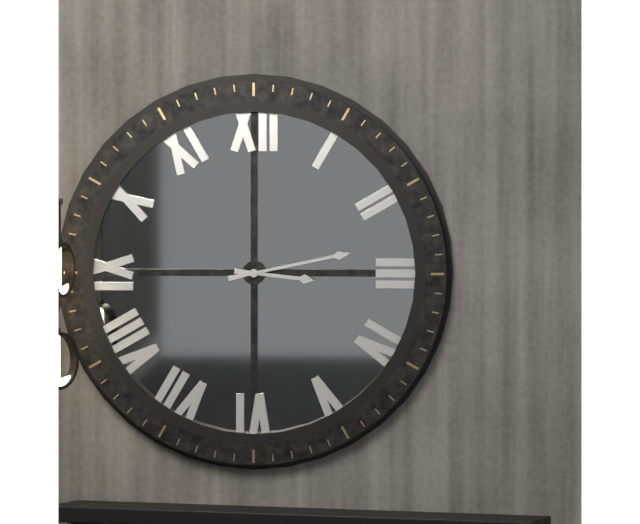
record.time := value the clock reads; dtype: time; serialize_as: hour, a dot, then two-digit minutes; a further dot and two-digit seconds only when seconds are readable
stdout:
3.13
